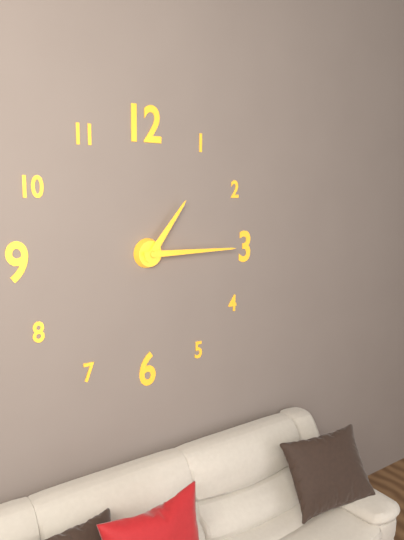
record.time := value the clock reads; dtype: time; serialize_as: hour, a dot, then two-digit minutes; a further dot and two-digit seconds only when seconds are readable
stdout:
1.15
